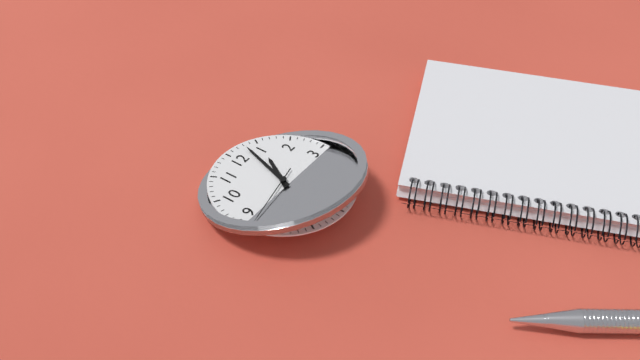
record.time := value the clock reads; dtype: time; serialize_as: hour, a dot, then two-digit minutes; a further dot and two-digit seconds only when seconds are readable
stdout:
1.03.43
